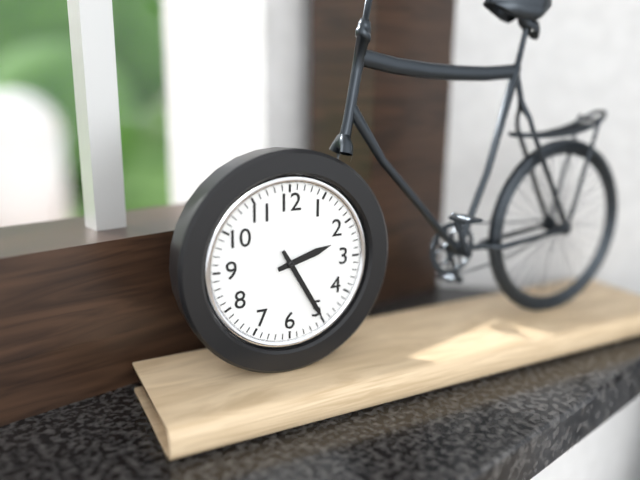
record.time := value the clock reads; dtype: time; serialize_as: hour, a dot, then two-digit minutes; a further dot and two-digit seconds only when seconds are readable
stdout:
2.25
